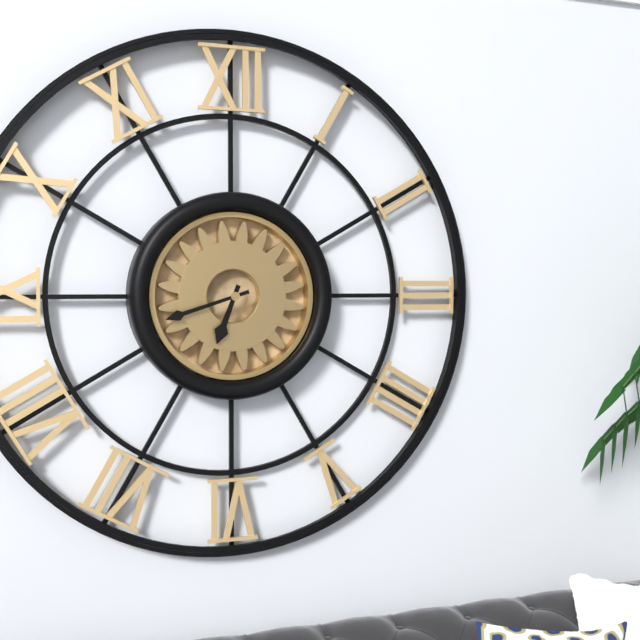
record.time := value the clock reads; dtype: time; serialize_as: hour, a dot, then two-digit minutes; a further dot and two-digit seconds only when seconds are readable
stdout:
6.42
